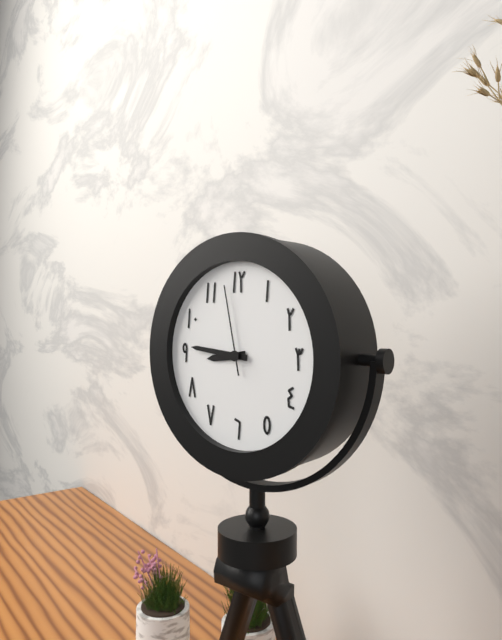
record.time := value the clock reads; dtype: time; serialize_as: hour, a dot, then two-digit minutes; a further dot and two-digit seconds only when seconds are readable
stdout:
8.46.58
